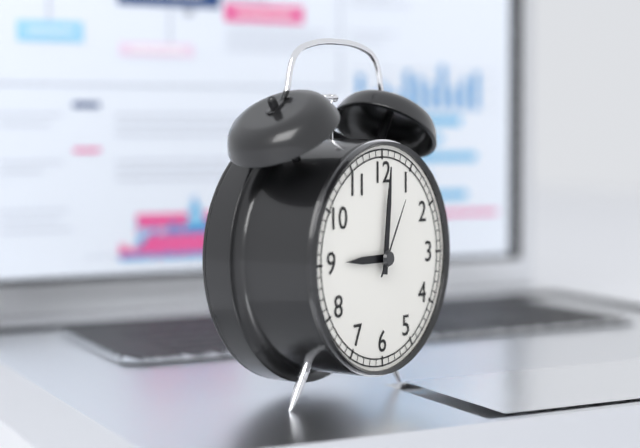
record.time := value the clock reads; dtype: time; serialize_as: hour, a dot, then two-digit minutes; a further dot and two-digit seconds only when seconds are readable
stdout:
9.01.05
